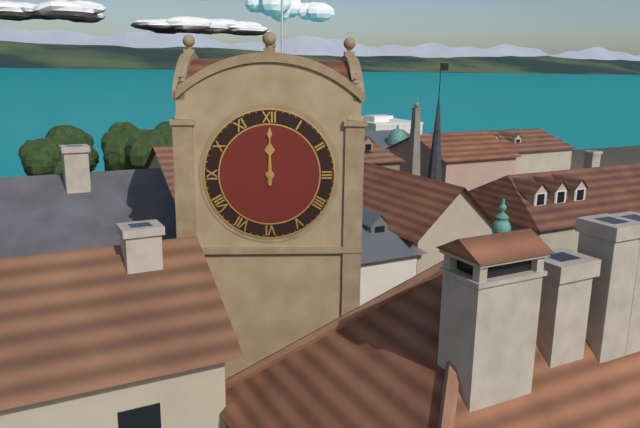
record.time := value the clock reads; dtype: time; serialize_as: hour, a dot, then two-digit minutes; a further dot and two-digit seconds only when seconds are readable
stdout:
12.00
